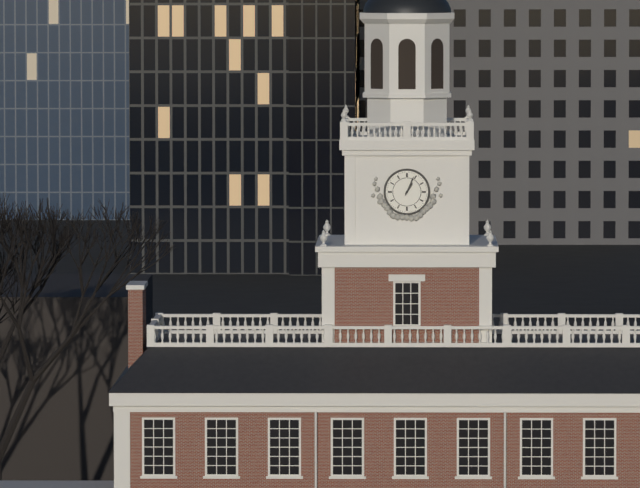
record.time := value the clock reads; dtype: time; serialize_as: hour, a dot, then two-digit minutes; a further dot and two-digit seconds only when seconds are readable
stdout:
1.04
